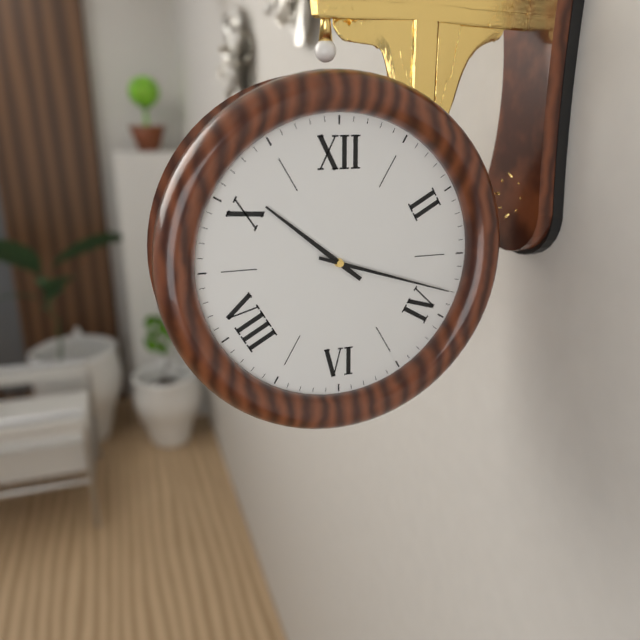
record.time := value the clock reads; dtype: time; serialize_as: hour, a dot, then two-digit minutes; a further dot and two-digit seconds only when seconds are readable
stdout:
10.18
